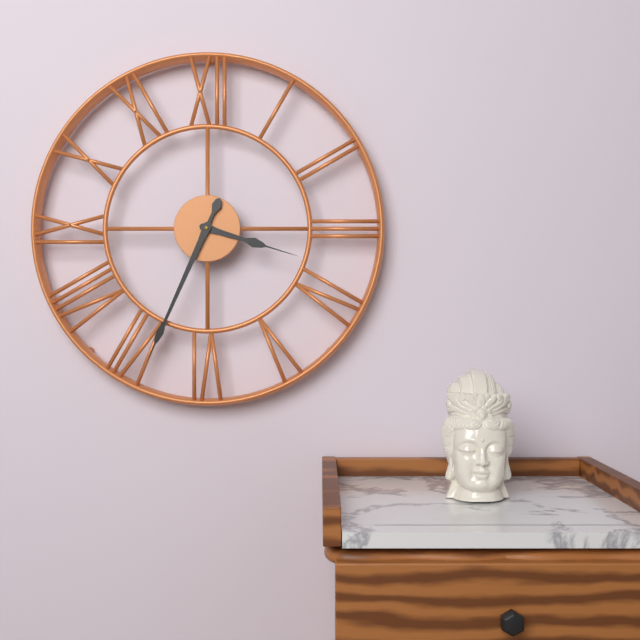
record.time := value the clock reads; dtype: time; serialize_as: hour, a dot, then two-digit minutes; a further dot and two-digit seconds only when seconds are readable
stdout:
3.34
